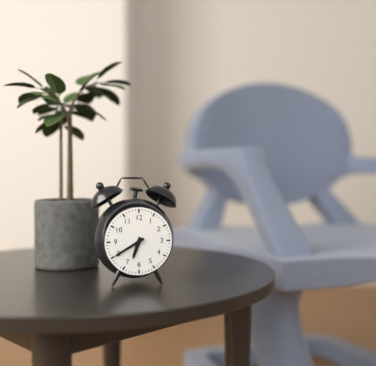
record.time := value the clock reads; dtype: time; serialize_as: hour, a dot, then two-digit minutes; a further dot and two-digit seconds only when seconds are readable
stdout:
6.40
